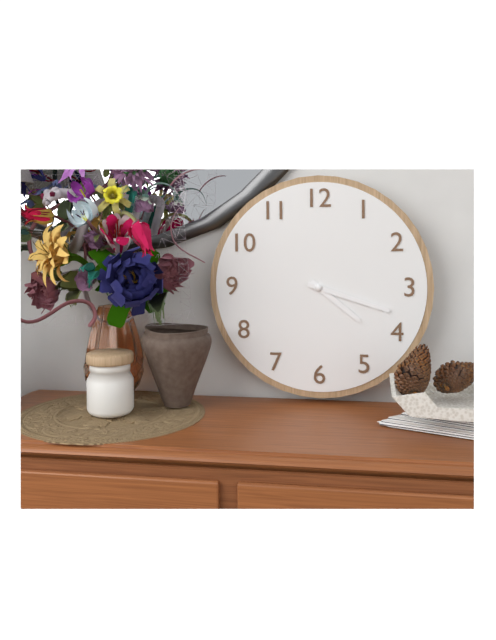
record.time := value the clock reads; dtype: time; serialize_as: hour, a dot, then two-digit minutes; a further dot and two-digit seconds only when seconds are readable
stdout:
4.18
